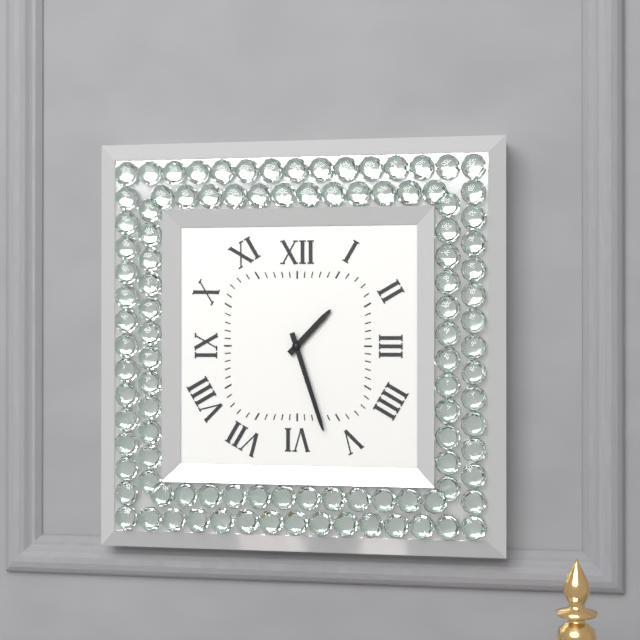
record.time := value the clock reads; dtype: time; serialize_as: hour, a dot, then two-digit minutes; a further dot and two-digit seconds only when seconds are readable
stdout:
1.27
